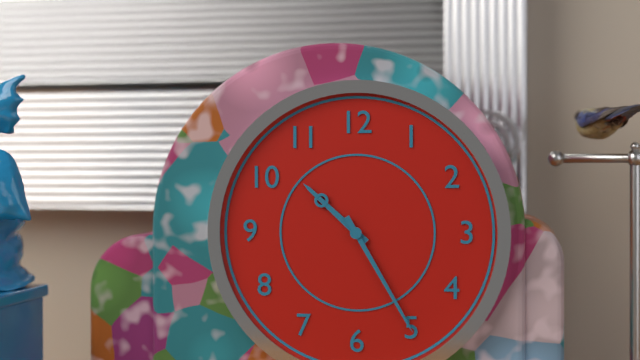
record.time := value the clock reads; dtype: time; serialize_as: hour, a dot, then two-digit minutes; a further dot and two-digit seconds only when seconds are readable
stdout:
10.25
